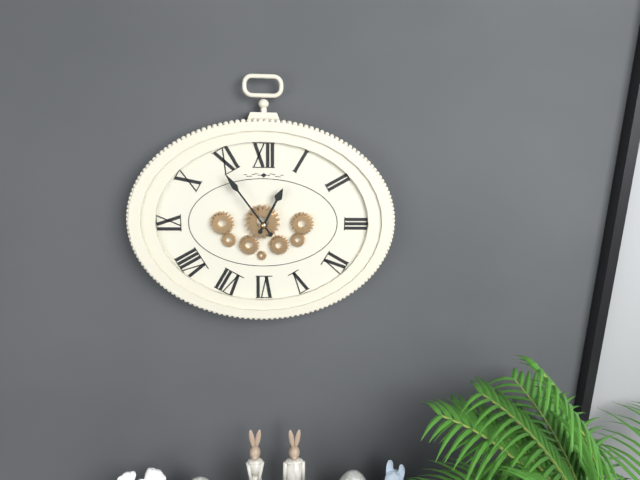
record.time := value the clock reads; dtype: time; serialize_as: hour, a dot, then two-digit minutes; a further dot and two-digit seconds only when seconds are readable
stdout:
12.54
